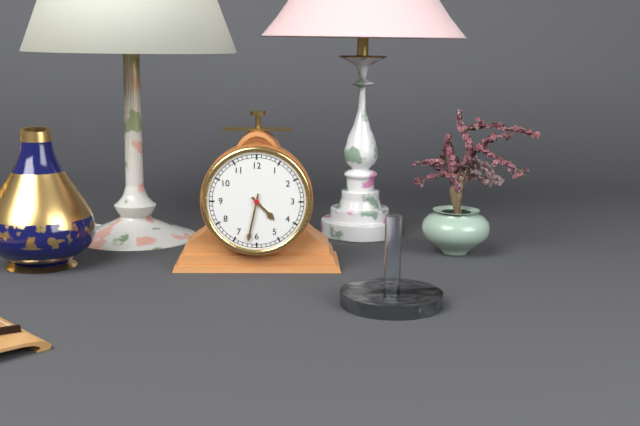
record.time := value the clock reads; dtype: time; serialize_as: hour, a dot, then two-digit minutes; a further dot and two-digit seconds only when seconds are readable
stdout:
4.32
